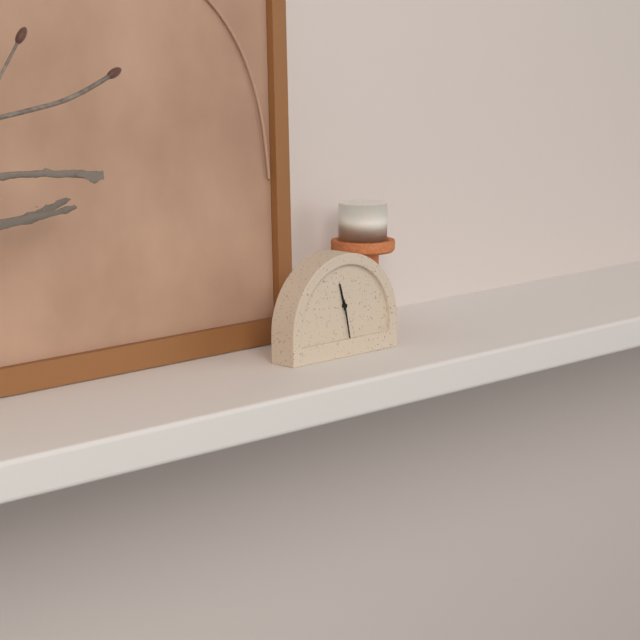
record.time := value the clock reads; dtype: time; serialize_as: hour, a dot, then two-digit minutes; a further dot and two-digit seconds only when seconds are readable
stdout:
11.28
